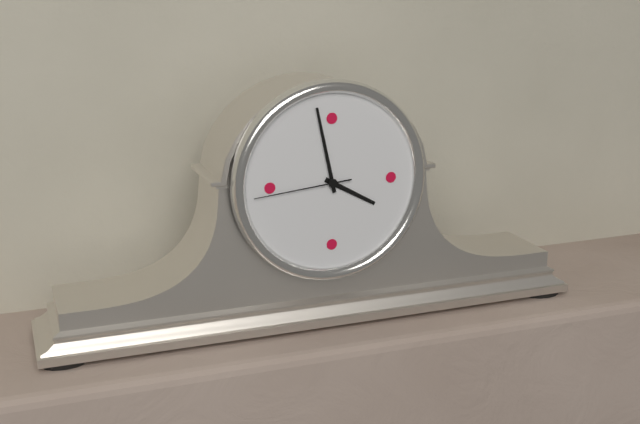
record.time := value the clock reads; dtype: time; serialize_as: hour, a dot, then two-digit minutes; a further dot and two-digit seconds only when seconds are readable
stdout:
3.58.44
